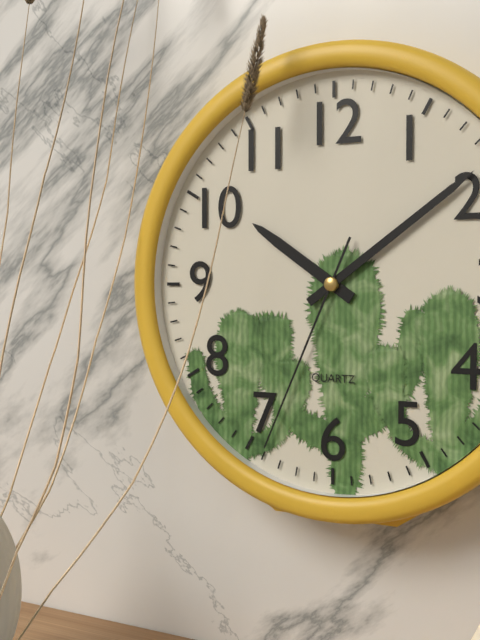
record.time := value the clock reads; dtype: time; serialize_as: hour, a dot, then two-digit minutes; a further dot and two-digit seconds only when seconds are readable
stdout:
10.09.34
